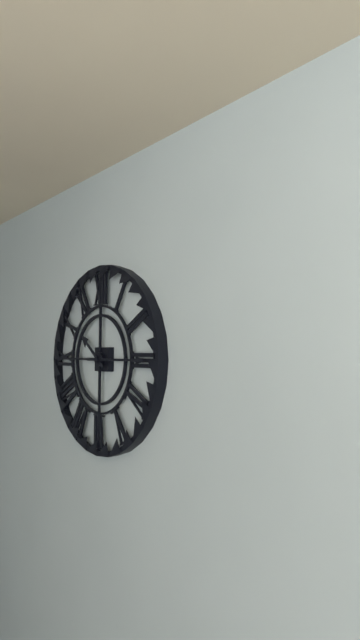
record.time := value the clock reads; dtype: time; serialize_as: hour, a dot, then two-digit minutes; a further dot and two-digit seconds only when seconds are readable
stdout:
10.15
